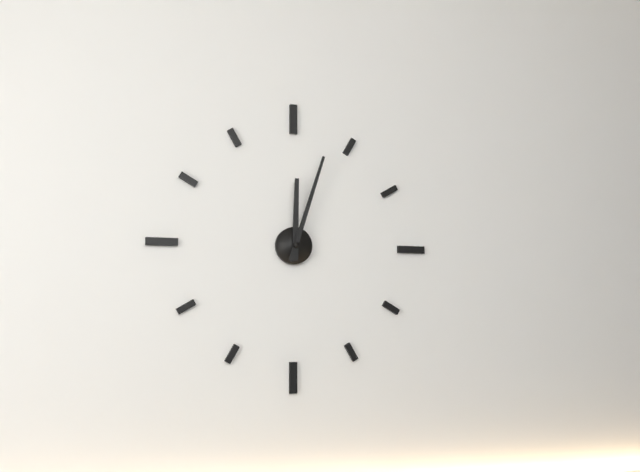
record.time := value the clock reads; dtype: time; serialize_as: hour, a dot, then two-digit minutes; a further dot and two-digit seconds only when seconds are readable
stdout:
12.03
